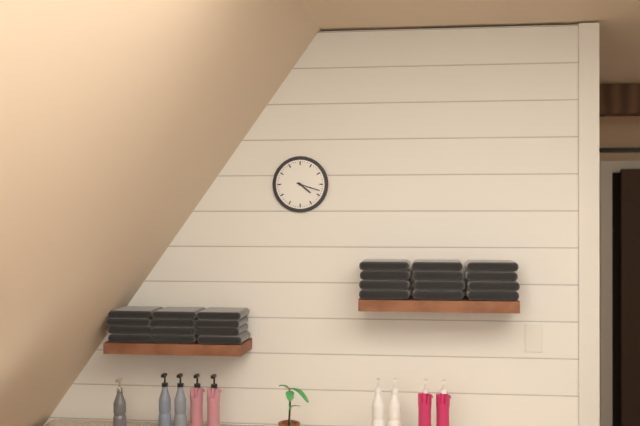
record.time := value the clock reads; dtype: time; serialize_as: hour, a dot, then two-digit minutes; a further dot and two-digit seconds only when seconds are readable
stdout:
4.18
